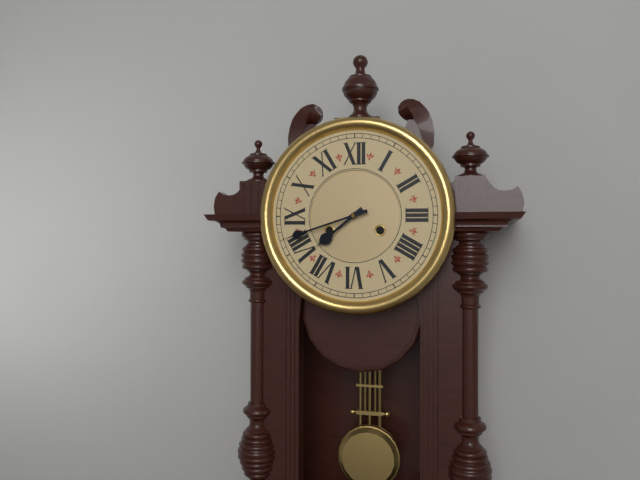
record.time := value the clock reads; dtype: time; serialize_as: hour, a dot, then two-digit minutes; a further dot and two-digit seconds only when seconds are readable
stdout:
7.42
